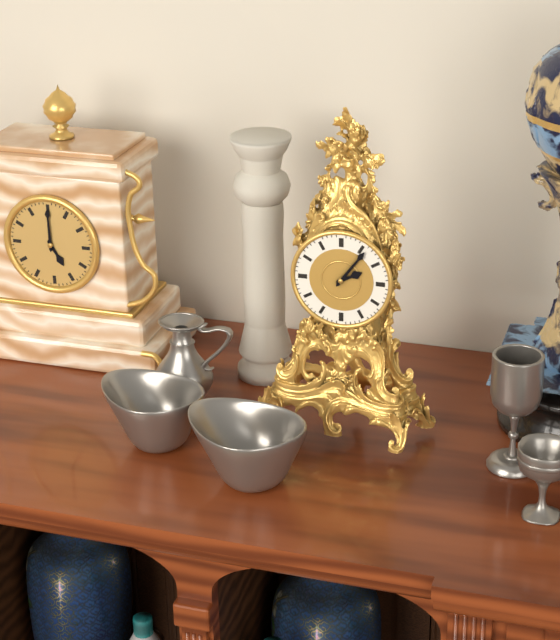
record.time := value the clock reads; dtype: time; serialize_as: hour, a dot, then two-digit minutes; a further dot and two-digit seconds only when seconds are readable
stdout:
2.06
